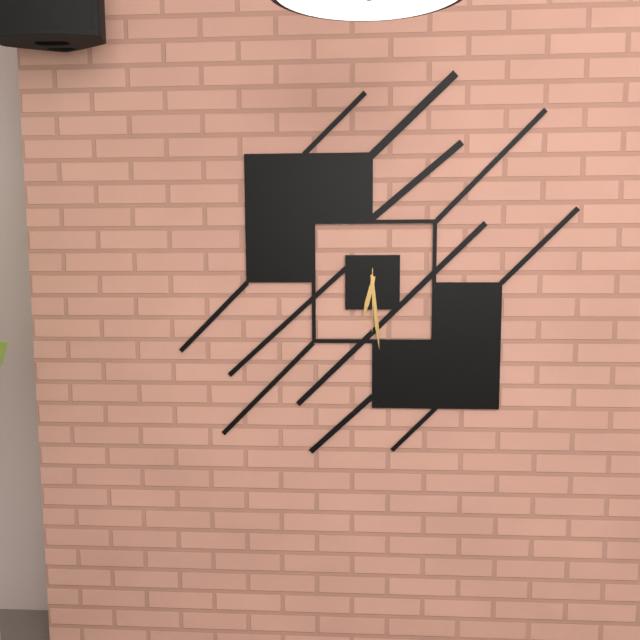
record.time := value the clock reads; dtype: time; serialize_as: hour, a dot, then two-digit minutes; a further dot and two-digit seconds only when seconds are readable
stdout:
6.29.30
